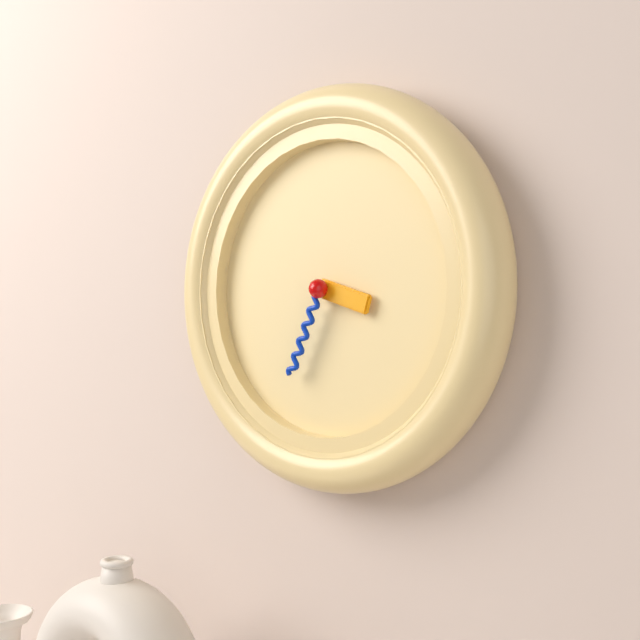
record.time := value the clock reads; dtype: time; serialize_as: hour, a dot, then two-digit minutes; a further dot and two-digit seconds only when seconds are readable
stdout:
3.34
